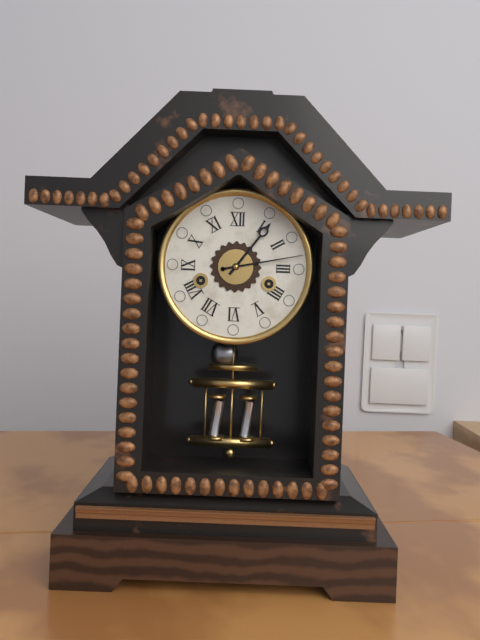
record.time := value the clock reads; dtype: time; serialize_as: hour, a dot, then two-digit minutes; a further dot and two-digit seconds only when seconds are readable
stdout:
1.13
